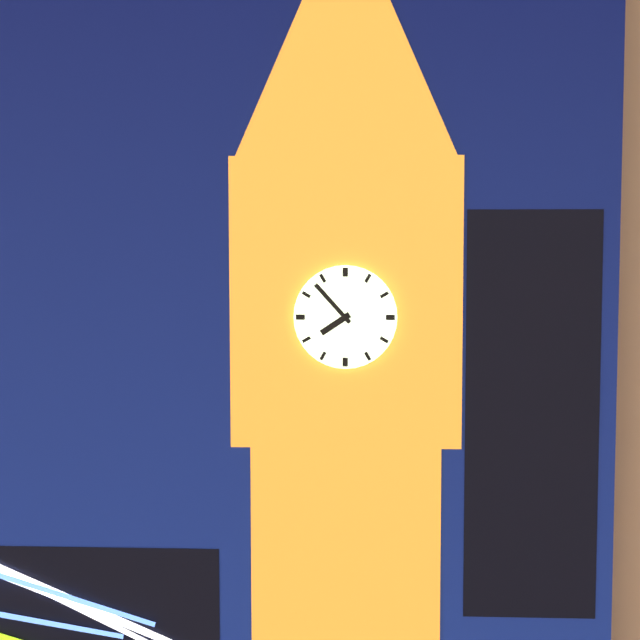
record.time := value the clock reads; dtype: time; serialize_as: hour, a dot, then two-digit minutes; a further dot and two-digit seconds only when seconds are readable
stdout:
7.53
